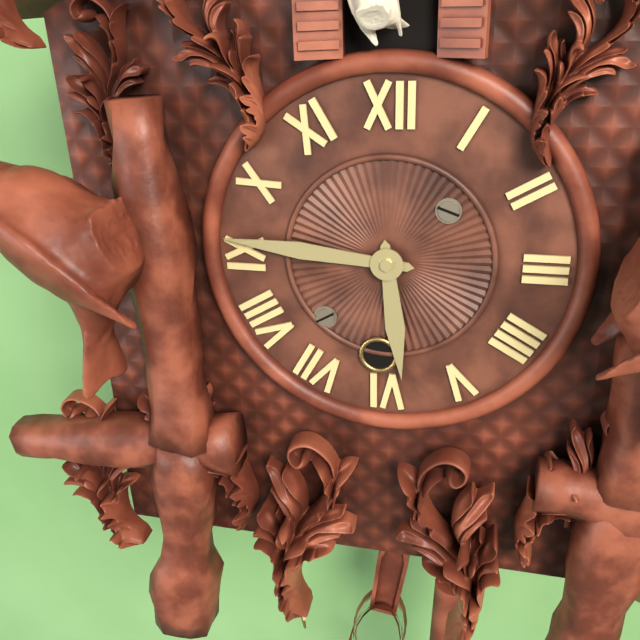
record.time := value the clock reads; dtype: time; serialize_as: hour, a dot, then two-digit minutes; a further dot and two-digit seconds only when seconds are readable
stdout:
5.46
